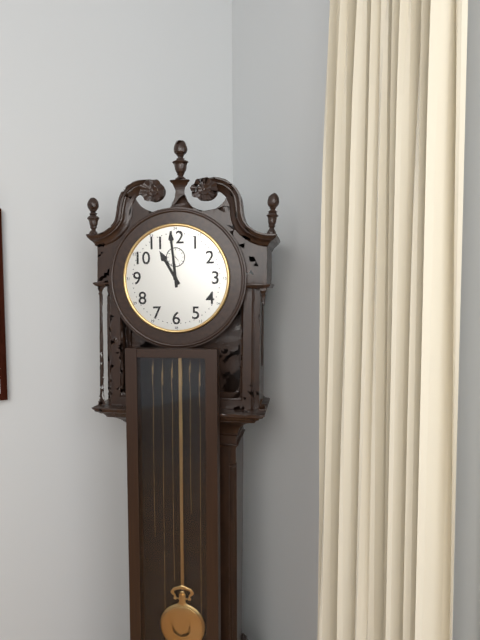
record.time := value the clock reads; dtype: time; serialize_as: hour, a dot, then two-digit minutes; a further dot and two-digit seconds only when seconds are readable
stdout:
10.59
